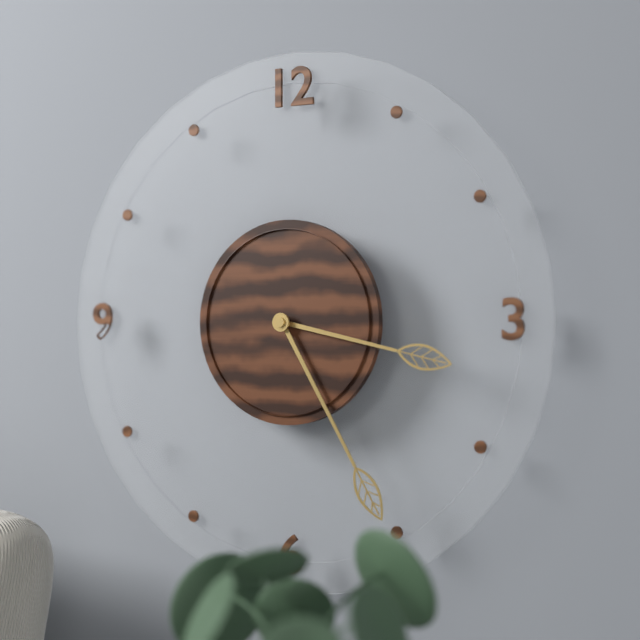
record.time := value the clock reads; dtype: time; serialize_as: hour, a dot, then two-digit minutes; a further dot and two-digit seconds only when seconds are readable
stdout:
3.25
